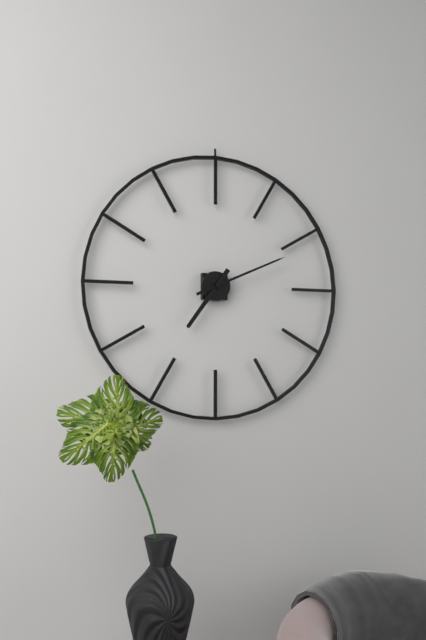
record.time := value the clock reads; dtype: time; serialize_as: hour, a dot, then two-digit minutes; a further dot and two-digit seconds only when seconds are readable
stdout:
7.11
